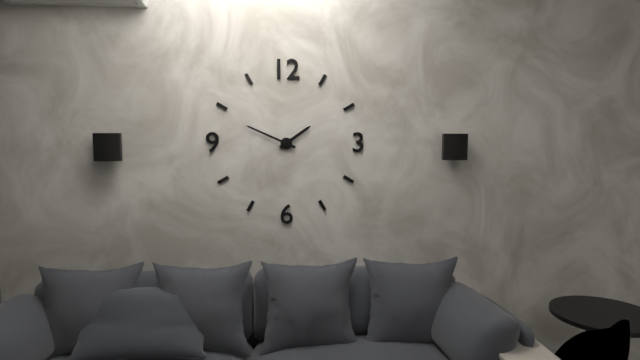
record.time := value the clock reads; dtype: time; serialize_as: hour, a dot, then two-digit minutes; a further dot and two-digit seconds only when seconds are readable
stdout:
1.49
